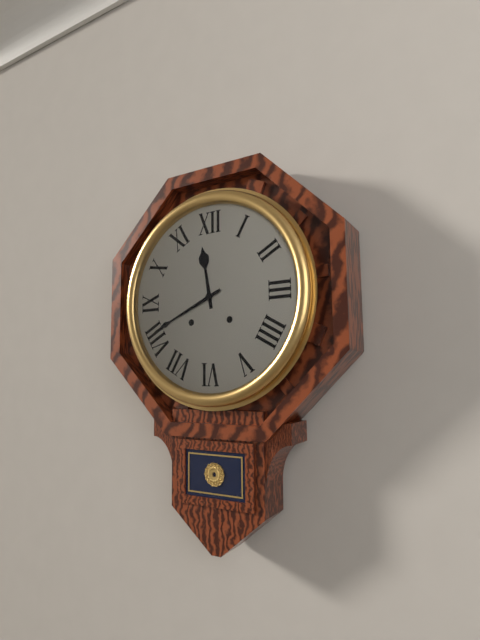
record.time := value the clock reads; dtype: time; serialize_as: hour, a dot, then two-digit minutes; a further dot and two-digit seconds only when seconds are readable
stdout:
11.41
